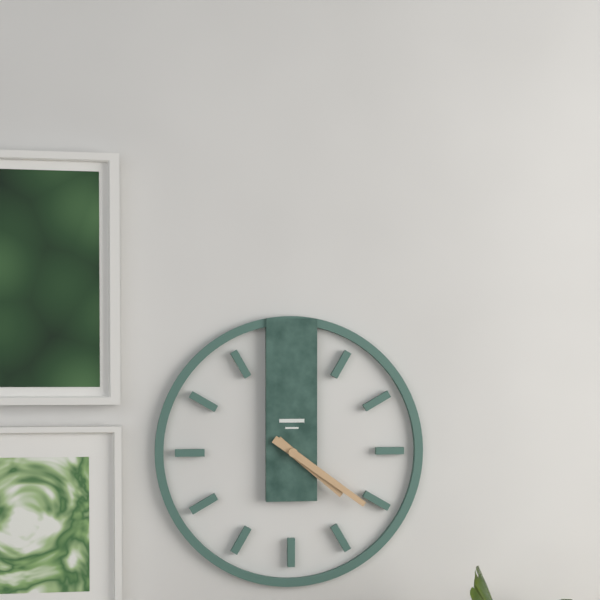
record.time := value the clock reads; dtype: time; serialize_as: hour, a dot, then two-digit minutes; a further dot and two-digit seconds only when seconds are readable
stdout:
4.21
